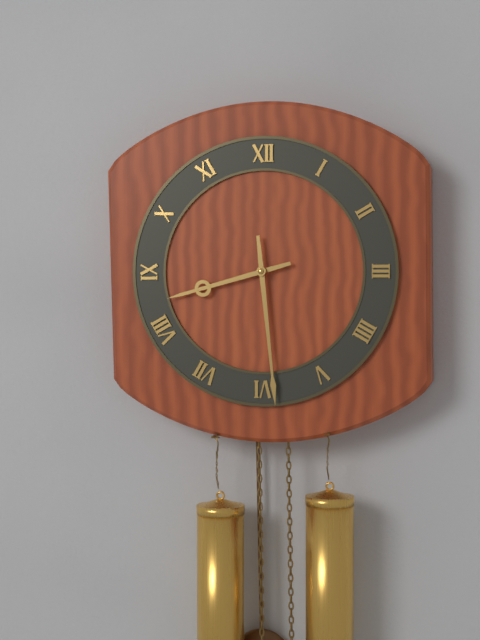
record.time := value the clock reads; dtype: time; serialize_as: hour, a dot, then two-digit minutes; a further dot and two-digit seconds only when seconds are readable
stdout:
8.29
